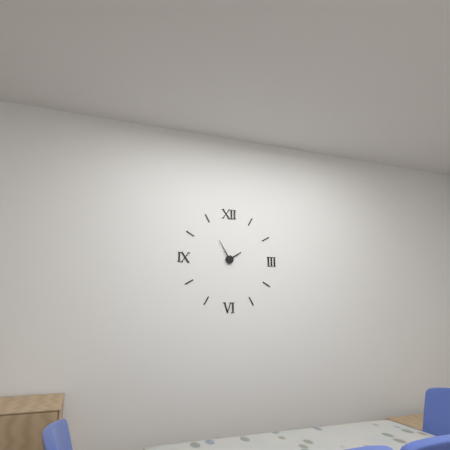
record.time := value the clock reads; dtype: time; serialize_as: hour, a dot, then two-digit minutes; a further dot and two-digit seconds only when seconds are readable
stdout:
1.55
